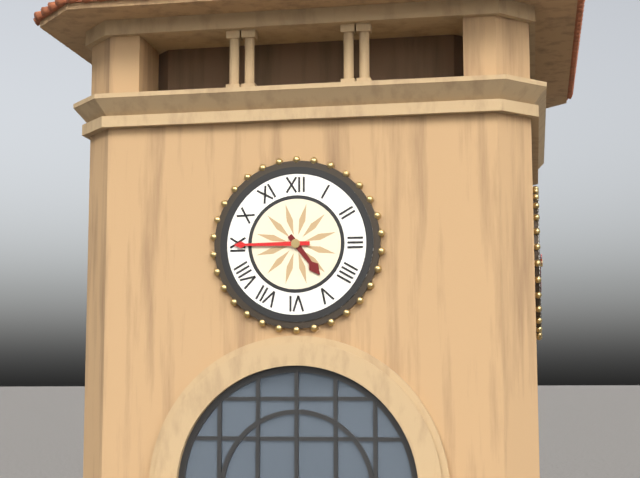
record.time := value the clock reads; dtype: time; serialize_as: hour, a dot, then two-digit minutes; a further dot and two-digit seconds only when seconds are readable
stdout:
4.45
